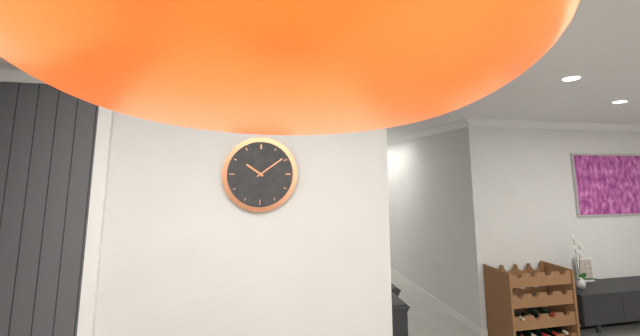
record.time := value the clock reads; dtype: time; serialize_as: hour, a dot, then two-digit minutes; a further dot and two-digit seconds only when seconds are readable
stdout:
10.09
